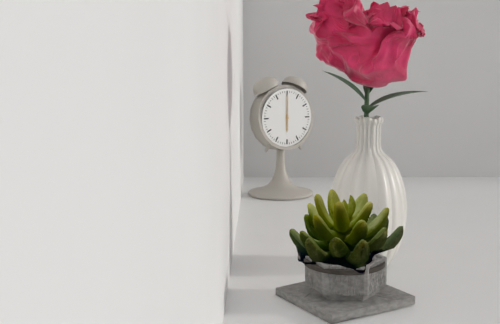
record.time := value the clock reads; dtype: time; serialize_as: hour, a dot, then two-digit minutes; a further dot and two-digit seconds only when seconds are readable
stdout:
6.00
